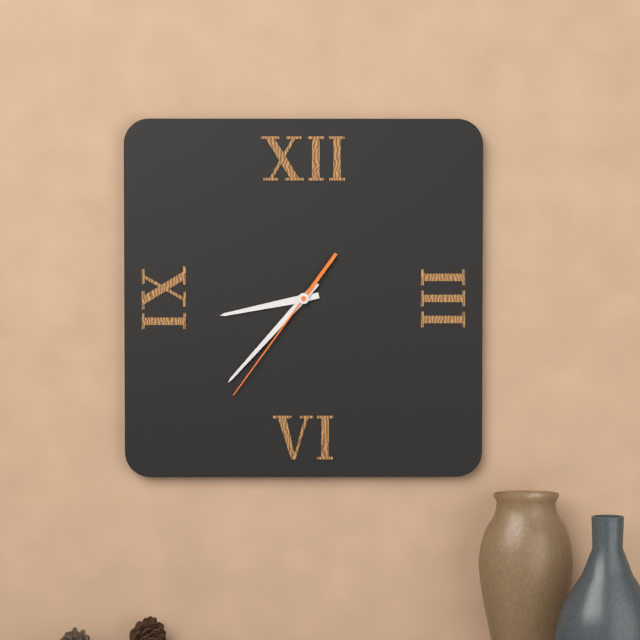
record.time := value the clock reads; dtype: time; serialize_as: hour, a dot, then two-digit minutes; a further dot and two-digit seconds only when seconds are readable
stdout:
8.37.36
